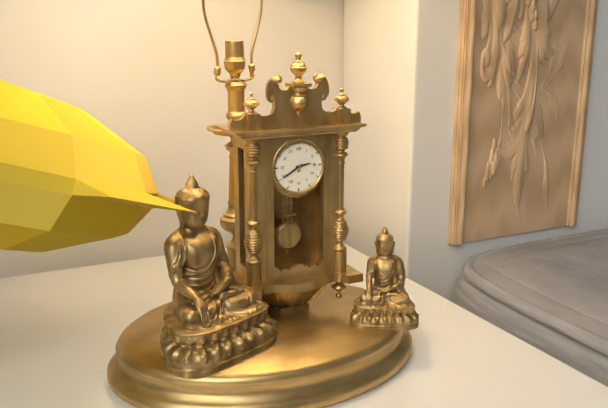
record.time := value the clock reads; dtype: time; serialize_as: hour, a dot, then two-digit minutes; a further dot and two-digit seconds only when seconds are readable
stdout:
2.40
